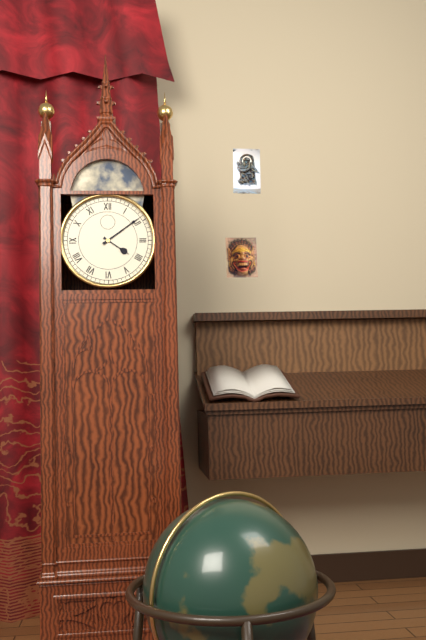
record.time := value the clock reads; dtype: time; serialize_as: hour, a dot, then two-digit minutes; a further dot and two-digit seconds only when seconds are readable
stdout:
4.09
